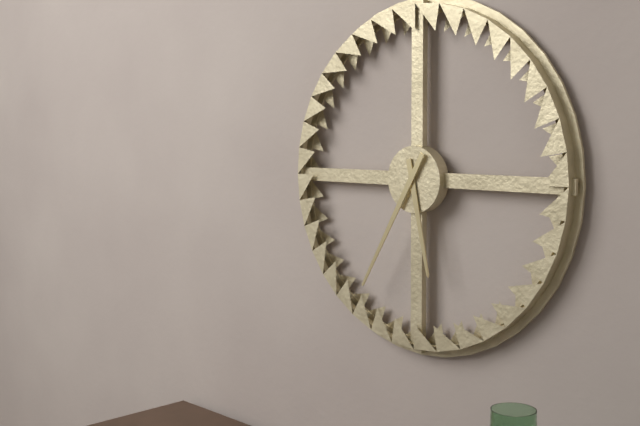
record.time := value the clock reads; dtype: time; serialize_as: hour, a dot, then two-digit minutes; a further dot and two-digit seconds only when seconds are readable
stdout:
5.35
